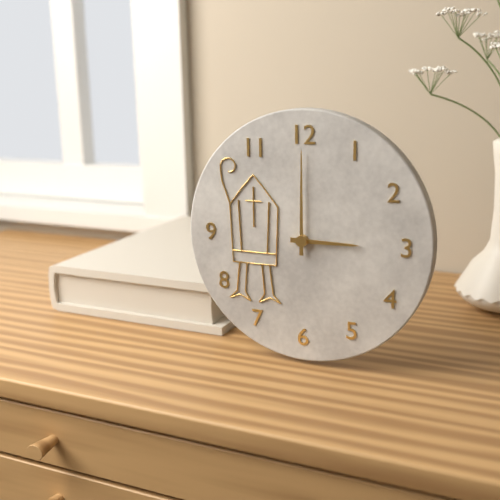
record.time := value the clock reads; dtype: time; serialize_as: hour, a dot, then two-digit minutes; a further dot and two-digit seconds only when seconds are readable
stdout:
3.00
